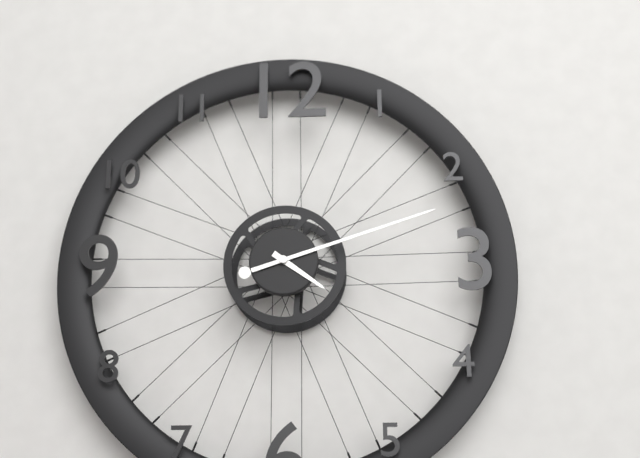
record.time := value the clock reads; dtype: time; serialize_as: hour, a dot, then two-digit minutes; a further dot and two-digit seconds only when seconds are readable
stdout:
4.12
